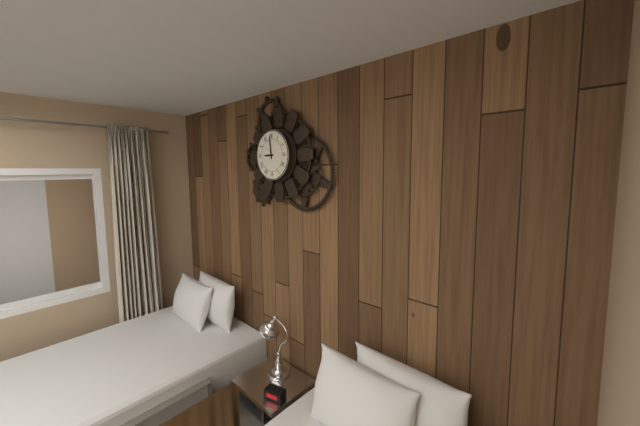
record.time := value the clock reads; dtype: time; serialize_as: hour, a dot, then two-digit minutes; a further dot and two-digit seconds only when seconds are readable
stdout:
8.59
